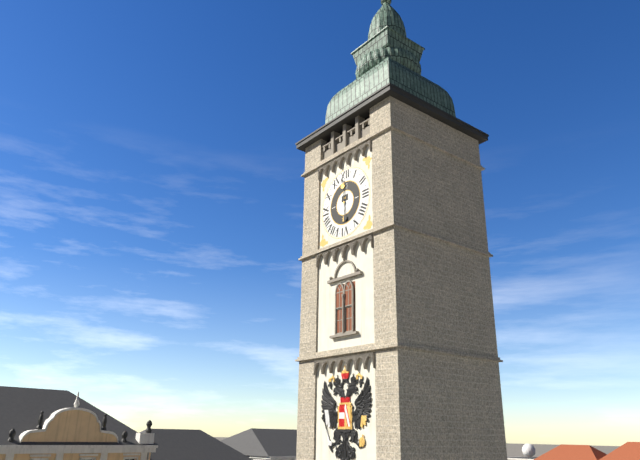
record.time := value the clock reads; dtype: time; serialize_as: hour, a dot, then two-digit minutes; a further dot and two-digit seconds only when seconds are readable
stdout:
5.59
